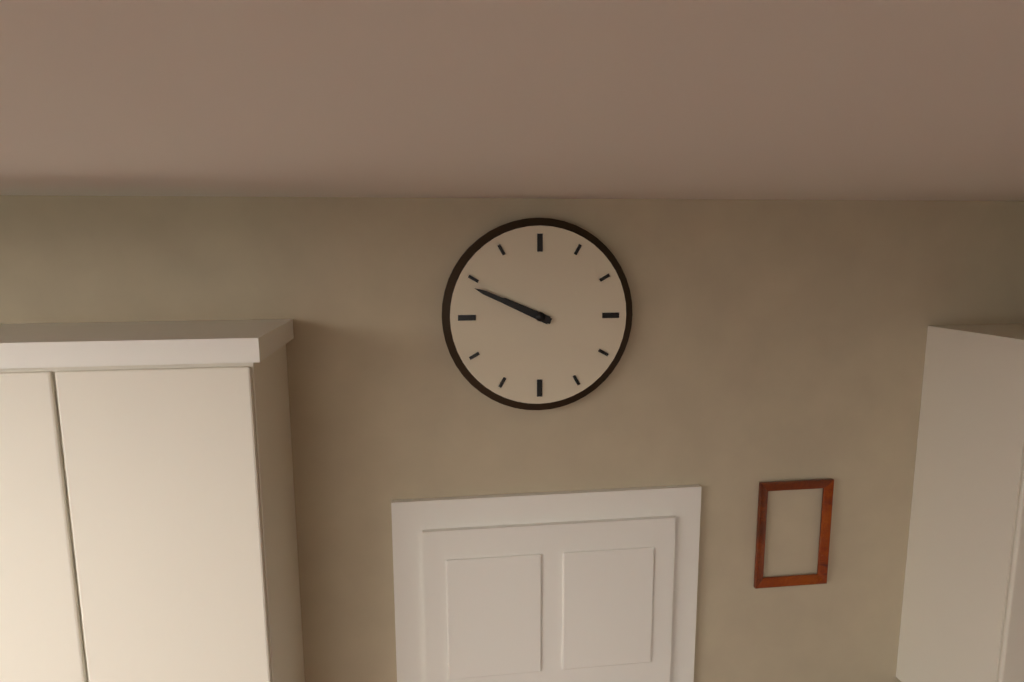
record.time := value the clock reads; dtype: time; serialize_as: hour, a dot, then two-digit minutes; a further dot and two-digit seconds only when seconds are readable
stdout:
9.49
